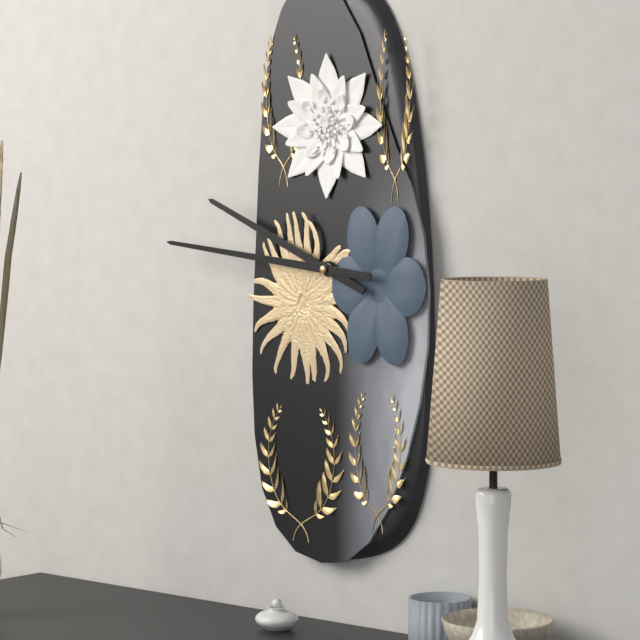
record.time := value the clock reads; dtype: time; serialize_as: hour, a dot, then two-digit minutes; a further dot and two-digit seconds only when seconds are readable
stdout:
9.46
